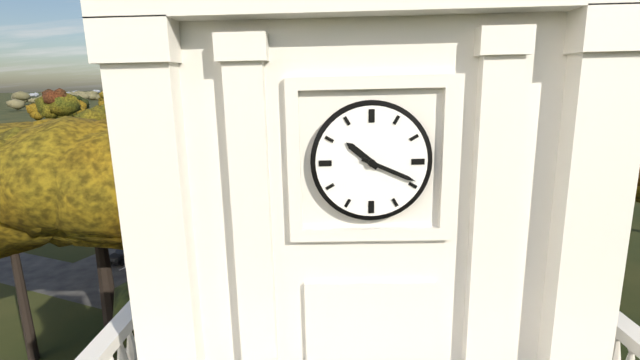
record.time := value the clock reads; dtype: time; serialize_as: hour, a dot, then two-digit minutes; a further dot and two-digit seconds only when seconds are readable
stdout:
10.19
